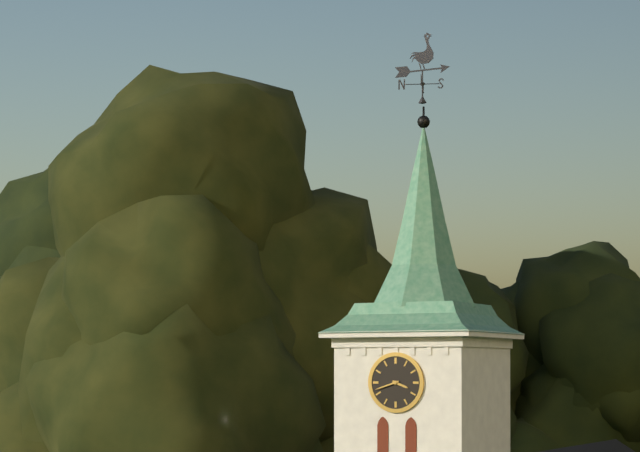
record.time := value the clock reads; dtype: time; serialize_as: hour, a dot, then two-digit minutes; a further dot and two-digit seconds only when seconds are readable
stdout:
3.42
